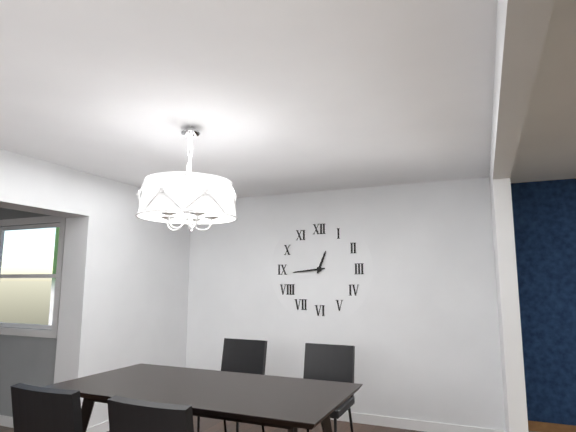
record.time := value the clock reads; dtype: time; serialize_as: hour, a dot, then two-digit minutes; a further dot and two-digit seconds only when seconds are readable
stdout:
12.44
